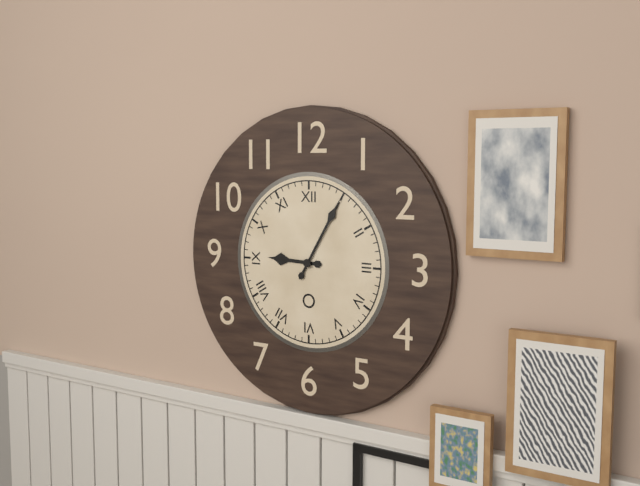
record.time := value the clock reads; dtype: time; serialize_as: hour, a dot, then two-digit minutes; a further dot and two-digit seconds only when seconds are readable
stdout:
9.05
